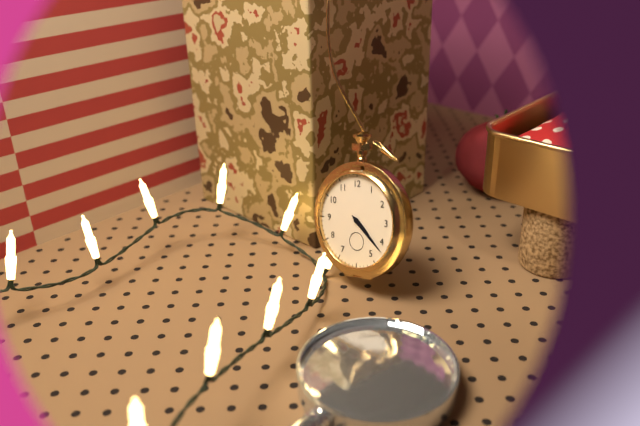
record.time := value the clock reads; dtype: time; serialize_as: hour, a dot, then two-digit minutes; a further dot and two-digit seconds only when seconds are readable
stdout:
4.22
